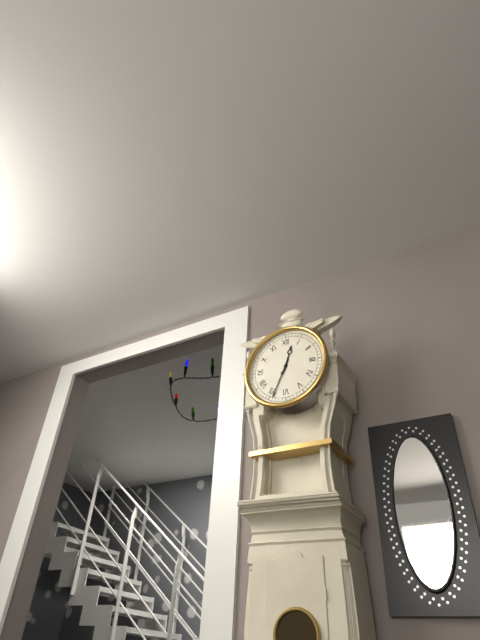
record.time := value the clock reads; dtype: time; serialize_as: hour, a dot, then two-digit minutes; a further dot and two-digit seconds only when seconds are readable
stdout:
12.34
